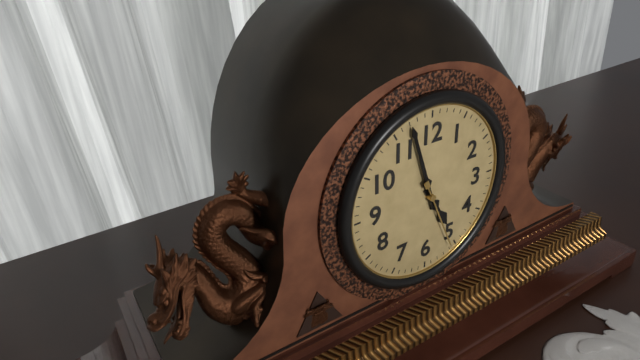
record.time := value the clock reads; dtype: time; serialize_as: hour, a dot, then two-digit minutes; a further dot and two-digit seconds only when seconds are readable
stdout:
4.57.26
